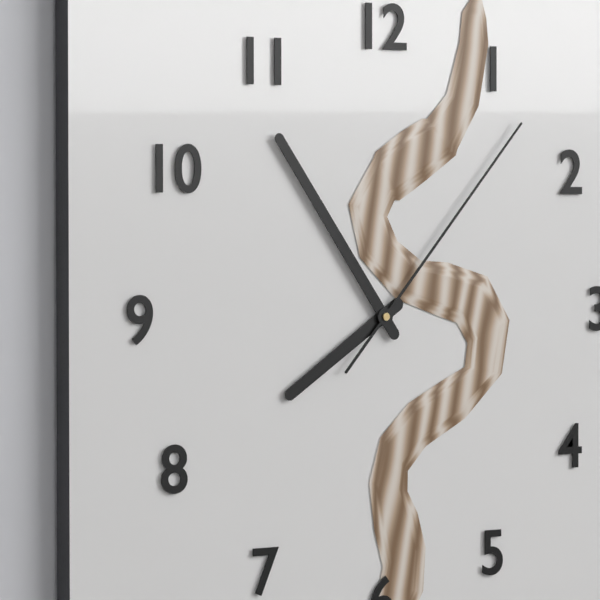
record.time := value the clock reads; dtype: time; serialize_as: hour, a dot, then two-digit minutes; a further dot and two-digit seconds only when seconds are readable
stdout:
7.54.07
